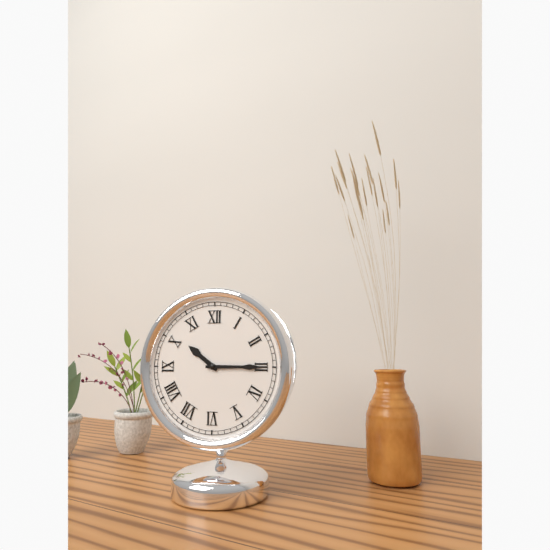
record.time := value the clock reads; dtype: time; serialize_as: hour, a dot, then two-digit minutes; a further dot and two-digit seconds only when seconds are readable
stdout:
10.15
